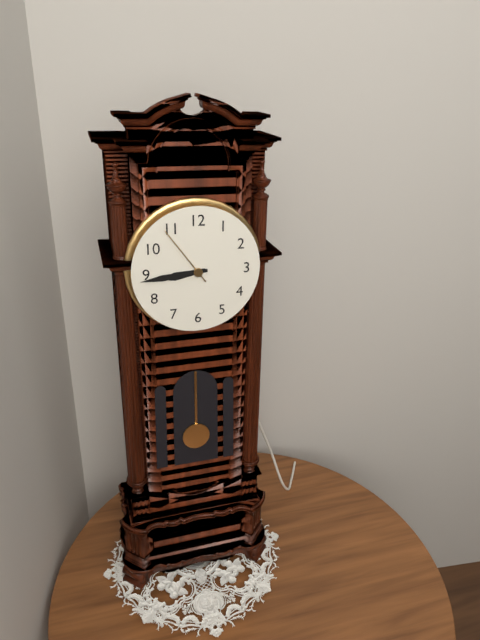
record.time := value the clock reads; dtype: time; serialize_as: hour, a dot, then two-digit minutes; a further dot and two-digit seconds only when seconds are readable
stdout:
8.44.54
